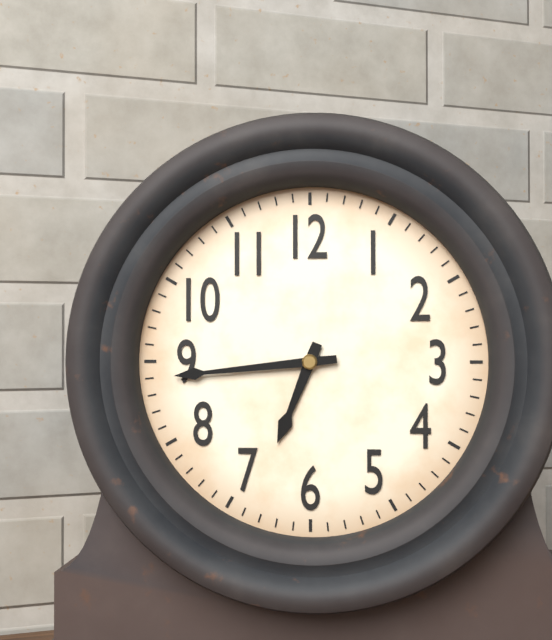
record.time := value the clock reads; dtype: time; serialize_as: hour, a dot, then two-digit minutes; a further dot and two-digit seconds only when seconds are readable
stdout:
6.44
